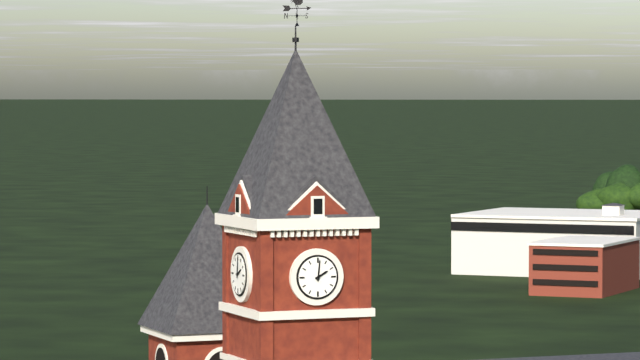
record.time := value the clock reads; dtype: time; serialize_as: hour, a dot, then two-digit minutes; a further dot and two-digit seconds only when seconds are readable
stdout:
2.01
